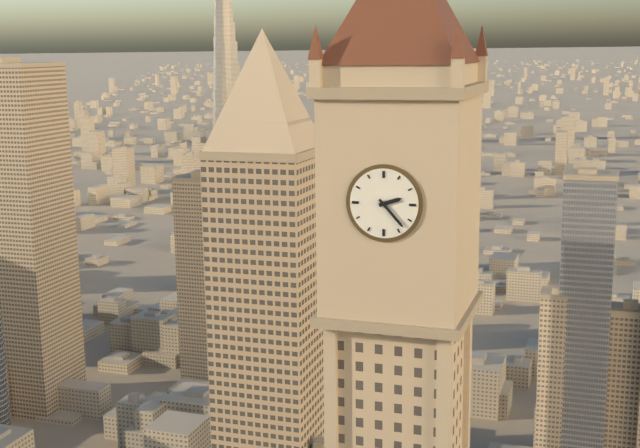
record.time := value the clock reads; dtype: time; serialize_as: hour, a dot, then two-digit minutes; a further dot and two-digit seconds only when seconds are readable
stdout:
2.23
